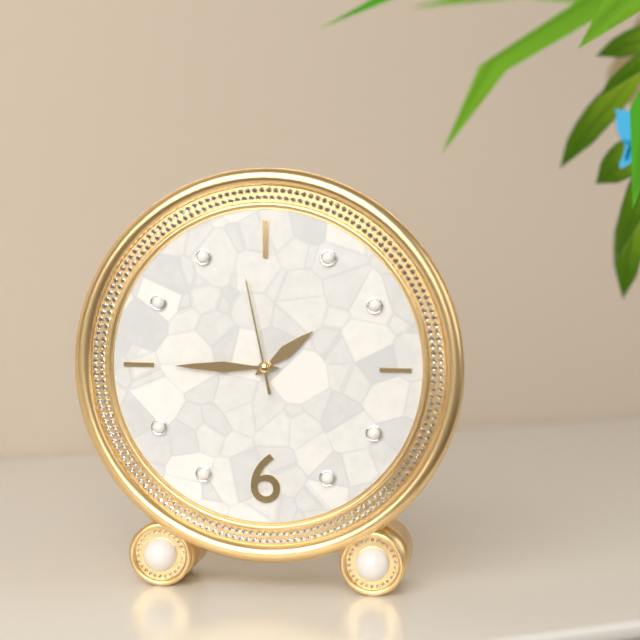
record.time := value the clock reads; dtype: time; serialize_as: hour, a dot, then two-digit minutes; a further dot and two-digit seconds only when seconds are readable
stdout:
1.45.58
